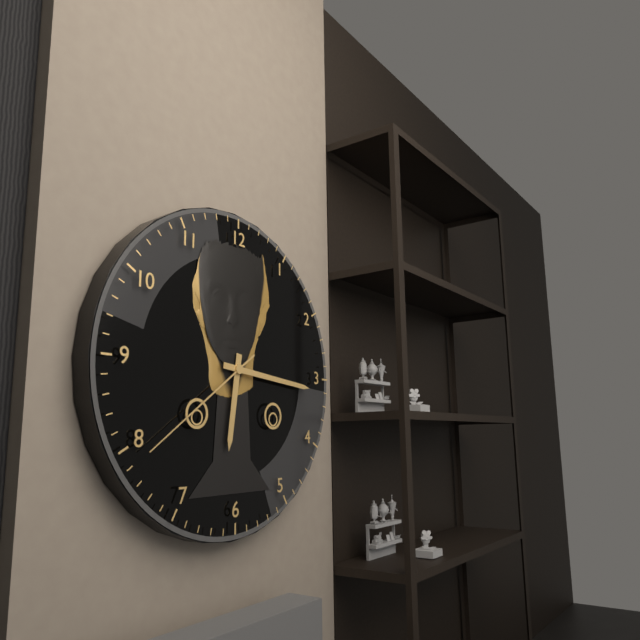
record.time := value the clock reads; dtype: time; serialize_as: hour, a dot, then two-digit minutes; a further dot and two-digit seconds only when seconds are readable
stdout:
6.16.39
